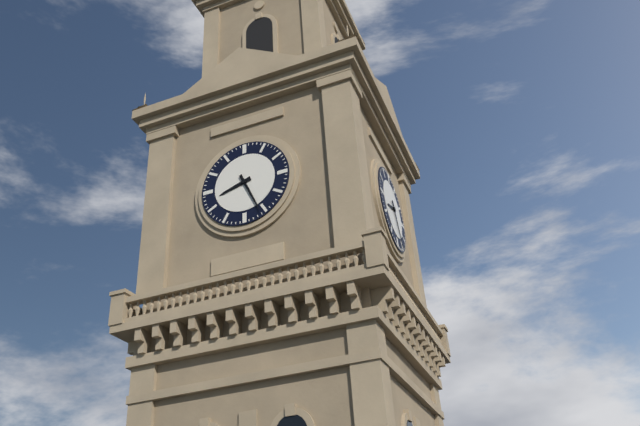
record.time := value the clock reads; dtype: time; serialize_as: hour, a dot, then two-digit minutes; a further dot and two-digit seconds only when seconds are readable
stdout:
8.26
